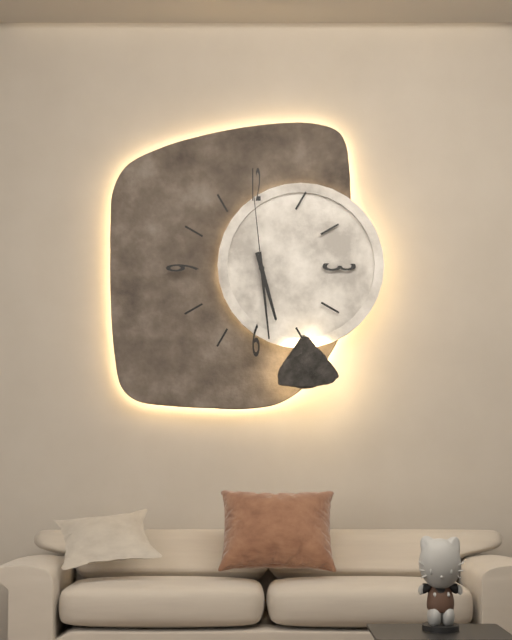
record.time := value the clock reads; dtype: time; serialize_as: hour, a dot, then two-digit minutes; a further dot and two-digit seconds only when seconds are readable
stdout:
5.29.59
